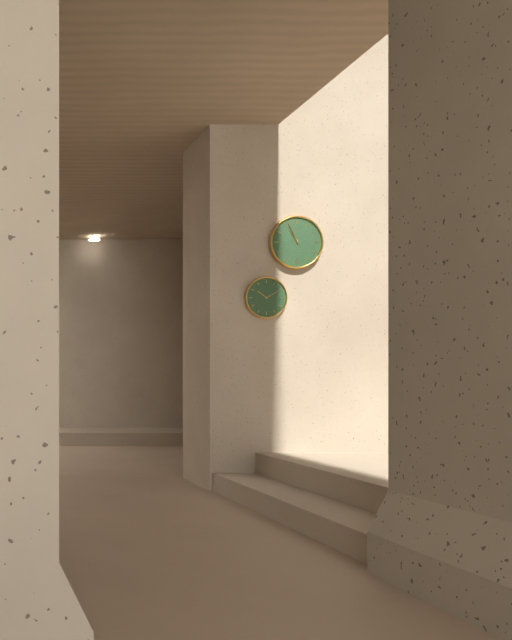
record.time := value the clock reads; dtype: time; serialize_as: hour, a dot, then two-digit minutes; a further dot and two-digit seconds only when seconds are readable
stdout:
10.56
